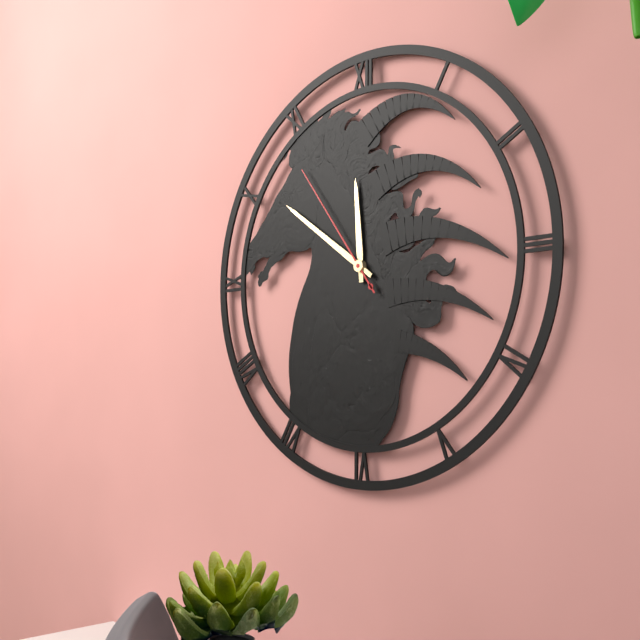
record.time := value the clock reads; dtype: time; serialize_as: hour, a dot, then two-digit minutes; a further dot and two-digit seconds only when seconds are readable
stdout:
11.51.54
